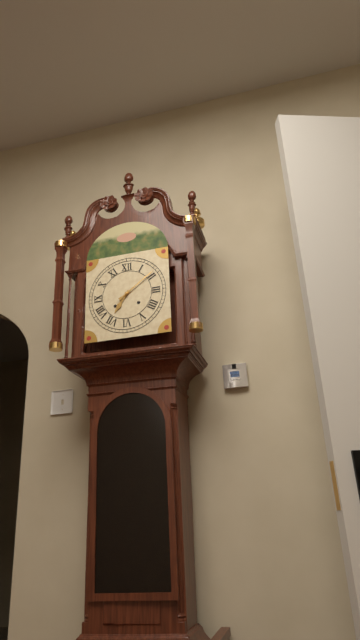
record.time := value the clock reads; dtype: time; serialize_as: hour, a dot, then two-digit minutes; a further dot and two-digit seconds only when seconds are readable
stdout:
7.09
